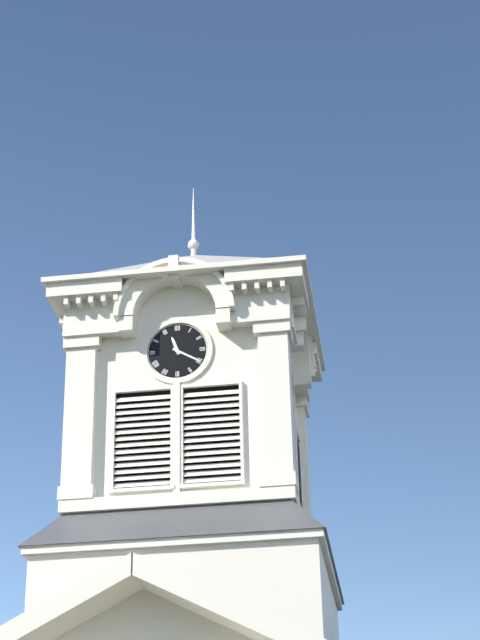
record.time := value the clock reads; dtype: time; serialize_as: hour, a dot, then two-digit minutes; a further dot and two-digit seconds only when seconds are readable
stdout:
11.20
